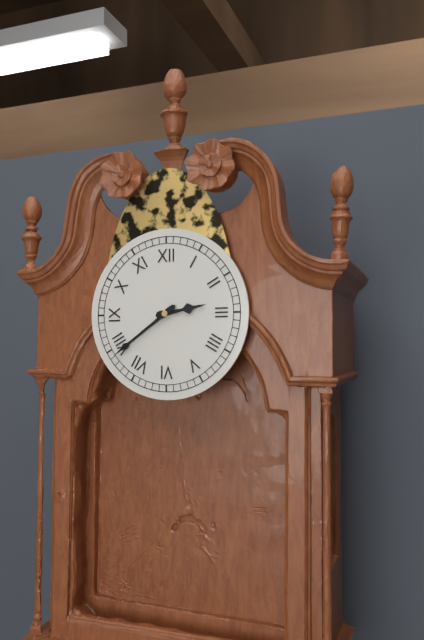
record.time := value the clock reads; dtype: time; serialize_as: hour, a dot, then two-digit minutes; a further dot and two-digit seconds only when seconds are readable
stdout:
2.39
